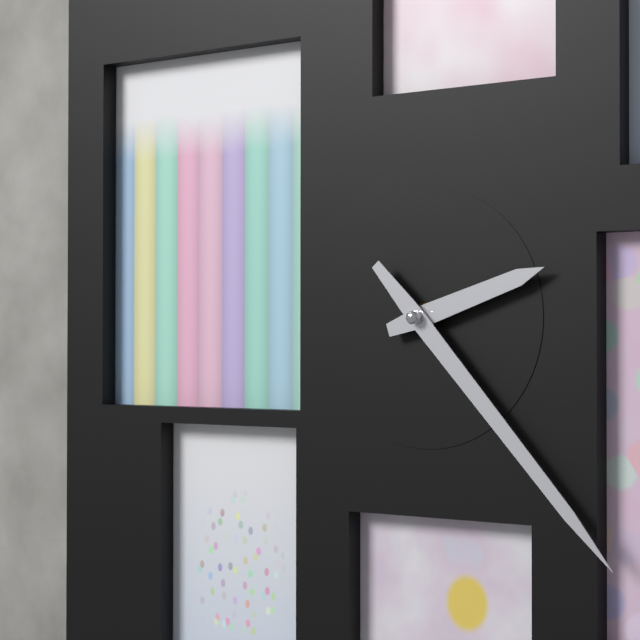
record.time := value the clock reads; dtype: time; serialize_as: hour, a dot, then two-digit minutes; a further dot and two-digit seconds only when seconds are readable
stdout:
2.23
